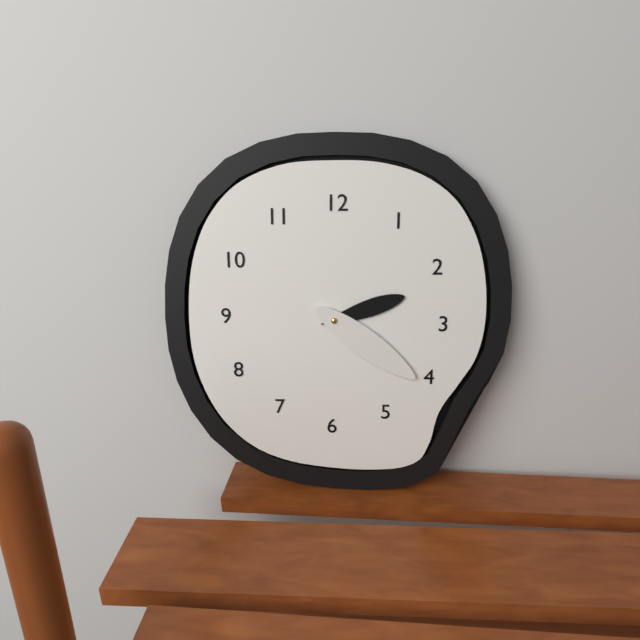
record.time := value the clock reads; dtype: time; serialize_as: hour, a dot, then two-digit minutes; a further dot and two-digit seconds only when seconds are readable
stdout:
2.21
